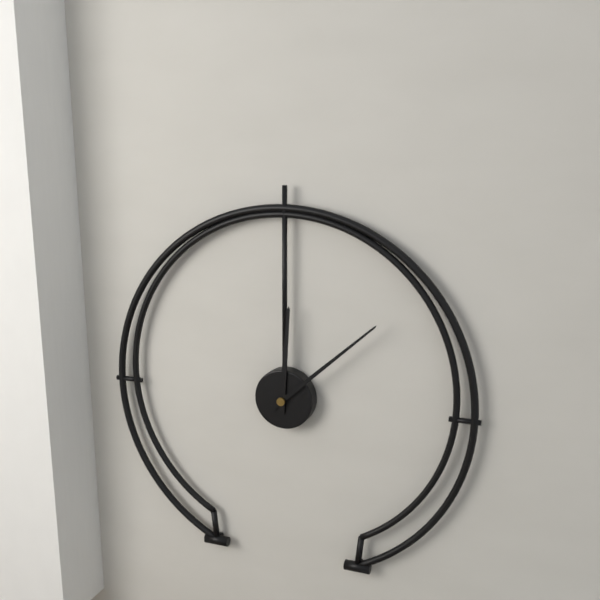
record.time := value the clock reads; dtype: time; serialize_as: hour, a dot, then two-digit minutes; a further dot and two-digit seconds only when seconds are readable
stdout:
12.08
